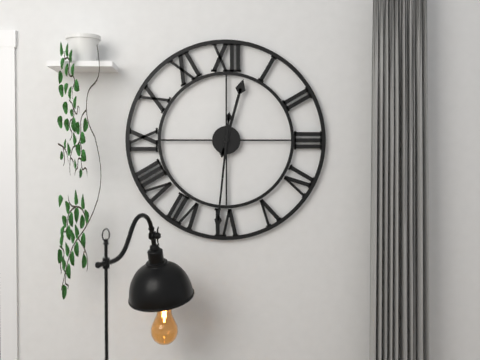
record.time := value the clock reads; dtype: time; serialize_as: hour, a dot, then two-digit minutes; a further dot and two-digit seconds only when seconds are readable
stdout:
12.31
